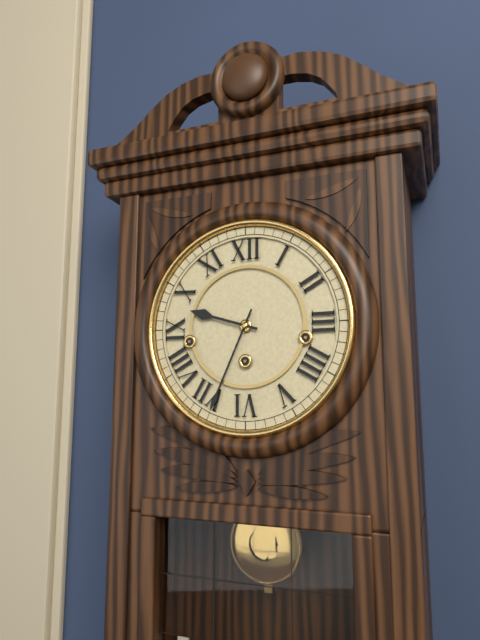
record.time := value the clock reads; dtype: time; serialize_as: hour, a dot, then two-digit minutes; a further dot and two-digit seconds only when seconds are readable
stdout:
9.34
